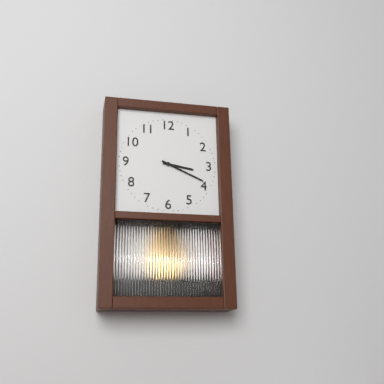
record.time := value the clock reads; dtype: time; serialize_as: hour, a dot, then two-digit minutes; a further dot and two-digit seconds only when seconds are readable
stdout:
3.19
